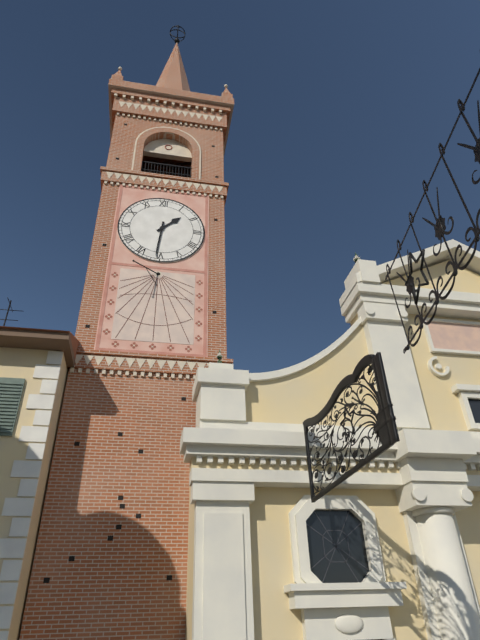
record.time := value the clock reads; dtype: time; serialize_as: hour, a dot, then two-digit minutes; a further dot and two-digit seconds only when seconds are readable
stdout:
1.31
